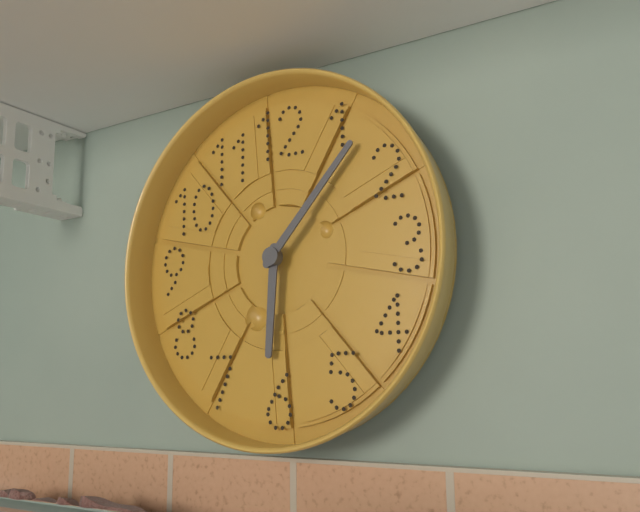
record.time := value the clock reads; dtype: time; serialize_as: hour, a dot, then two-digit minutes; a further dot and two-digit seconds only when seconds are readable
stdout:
6.07
